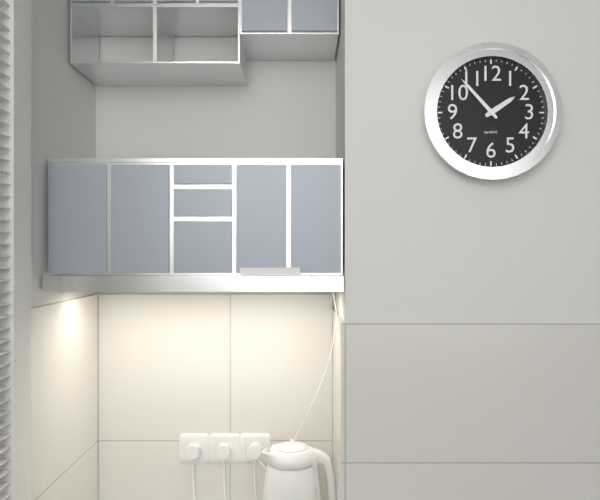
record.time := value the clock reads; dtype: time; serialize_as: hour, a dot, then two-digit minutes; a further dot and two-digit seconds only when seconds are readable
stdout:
1.53
